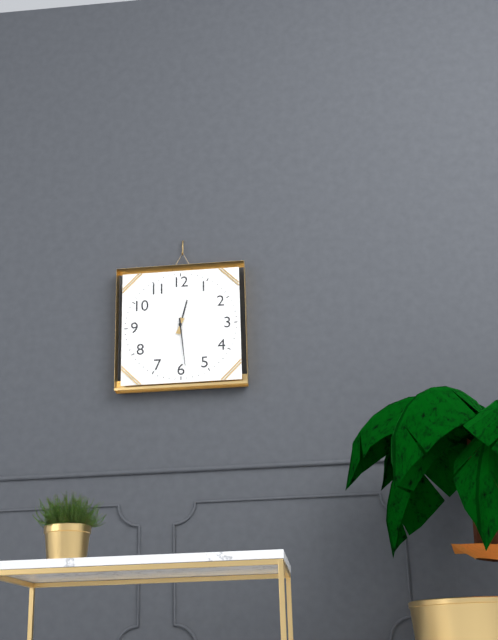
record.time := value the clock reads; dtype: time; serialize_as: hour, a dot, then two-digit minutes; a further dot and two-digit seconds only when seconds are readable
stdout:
12.29
